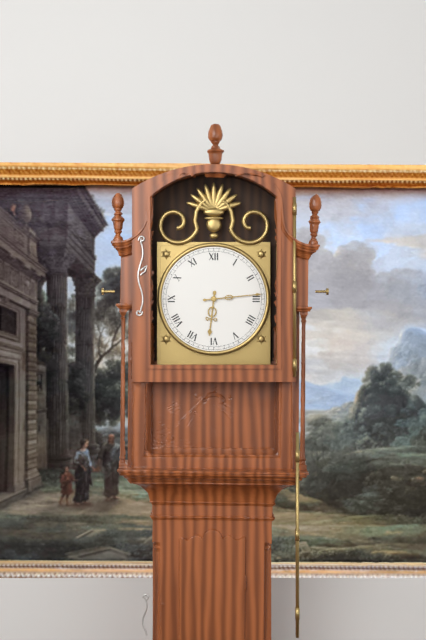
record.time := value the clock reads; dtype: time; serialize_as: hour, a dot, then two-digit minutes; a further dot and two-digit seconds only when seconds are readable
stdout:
6.14
